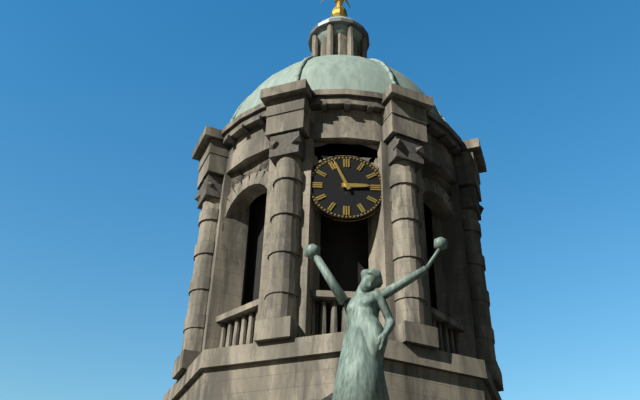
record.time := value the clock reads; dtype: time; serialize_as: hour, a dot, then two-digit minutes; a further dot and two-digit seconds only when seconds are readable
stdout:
2.56
